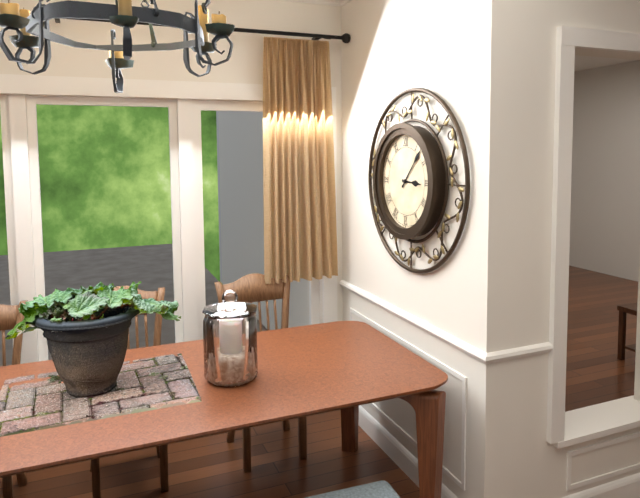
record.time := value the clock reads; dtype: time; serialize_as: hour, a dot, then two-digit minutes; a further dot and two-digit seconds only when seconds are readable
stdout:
3.07
